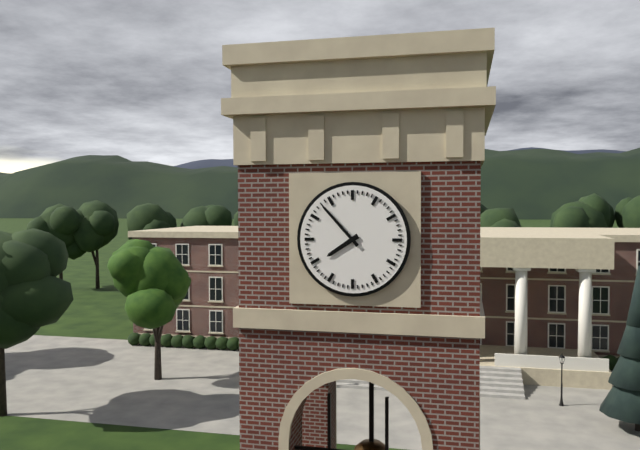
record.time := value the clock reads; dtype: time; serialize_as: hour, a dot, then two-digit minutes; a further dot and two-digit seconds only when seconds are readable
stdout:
7.53
